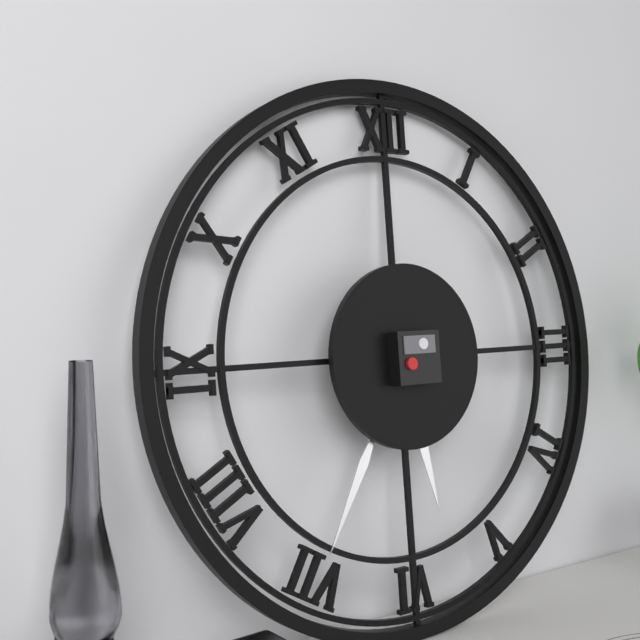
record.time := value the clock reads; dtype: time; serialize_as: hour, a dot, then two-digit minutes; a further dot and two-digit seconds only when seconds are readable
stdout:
5.35
